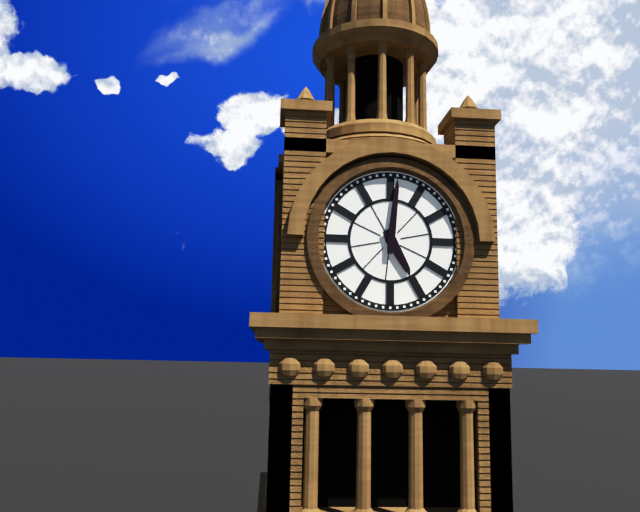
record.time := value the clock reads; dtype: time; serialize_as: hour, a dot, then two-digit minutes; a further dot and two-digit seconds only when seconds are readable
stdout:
5.01
